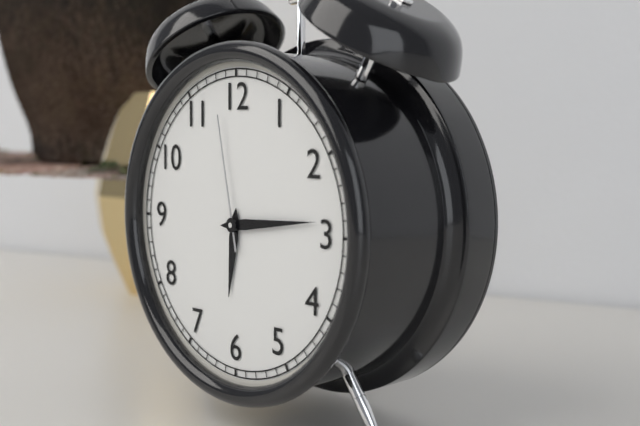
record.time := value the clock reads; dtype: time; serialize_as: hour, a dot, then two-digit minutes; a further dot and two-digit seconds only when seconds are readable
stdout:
6.14.58
